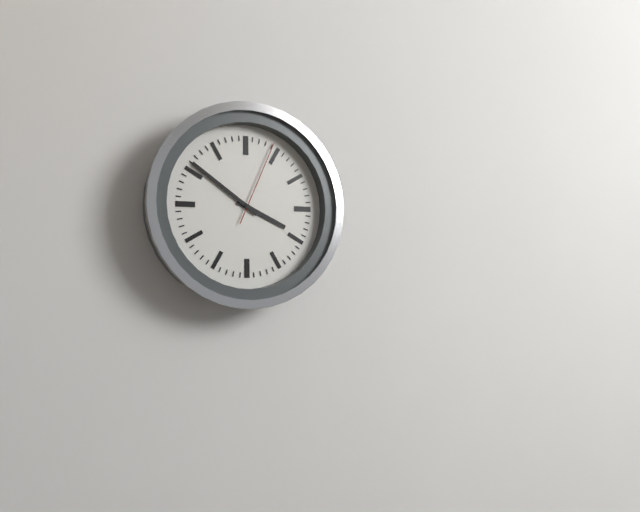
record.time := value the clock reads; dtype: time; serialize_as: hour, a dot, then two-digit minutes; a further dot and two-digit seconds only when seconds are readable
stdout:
3.51.04
